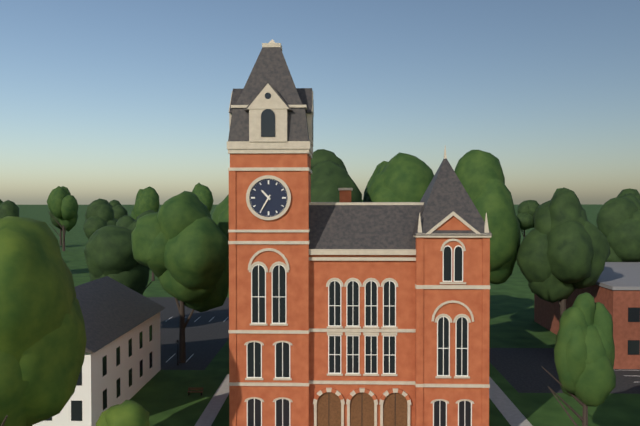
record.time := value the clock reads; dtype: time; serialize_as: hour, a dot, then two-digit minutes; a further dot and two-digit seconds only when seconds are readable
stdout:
10.35
